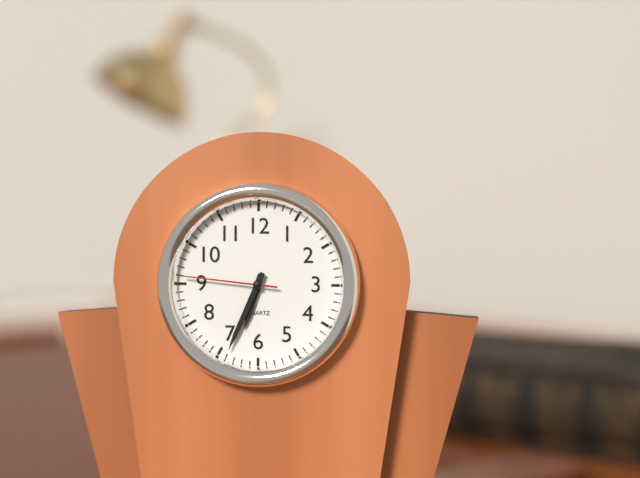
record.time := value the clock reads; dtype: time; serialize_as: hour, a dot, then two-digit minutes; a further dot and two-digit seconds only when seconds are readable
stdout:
6.34.46
